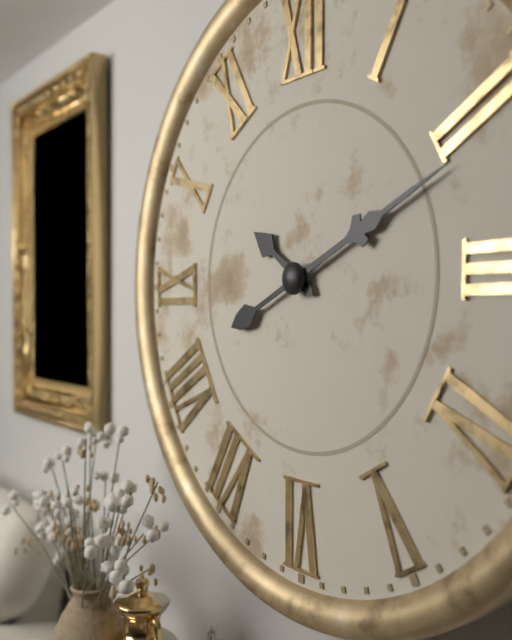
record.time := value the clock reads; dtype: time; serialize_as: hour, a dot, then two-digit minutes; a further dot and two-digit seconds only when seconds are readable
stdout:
10.11
